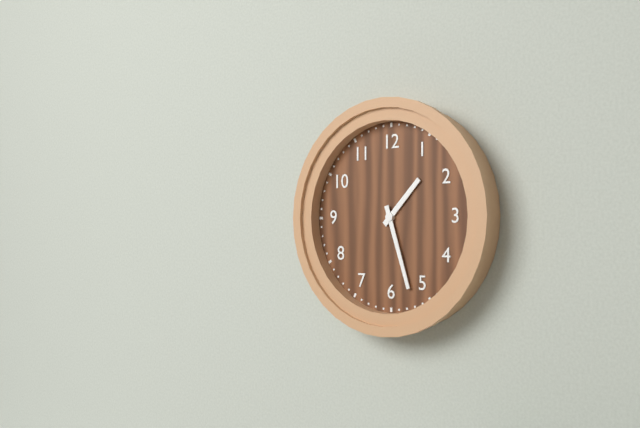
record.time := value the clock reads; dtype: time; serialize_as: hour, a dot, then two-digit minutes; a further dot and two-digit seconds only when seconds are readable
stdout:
1.27
